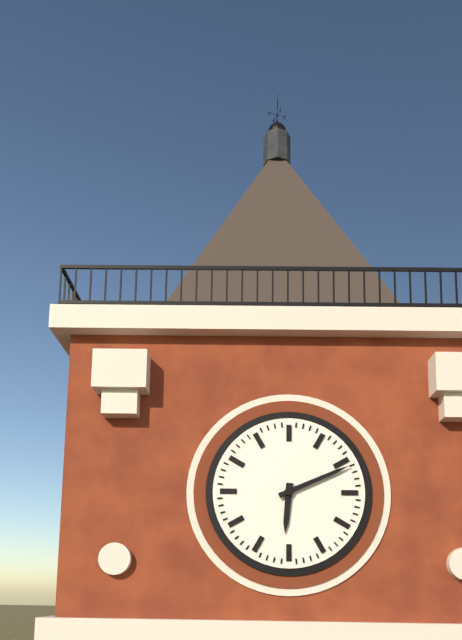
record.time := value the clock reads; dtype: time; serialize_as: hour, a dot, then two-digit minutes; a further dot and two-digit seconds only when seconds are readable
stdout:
6.11
